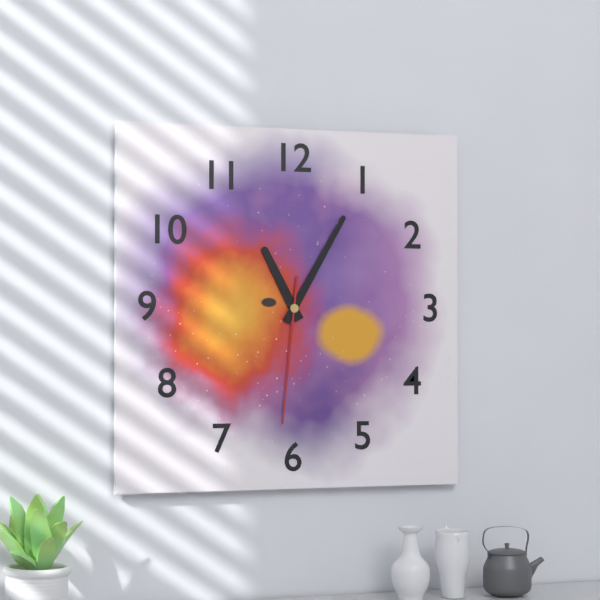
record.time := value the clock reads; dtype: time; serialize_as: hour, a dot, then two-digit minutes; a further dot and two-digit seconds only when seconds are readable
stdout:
11.05.31
